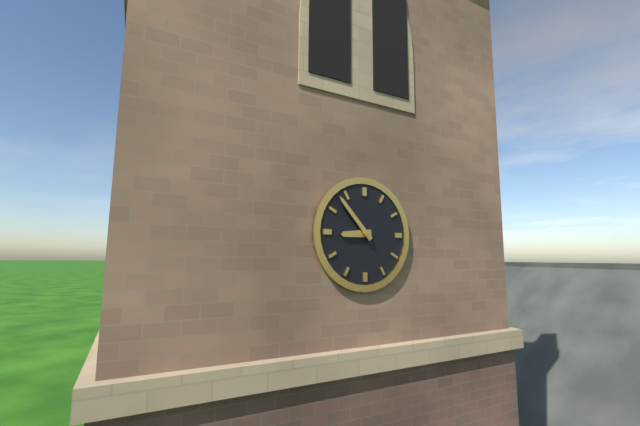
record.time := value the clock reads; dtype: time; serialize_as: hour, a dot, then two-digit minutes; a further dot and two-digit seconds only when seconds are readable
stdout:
8.53
